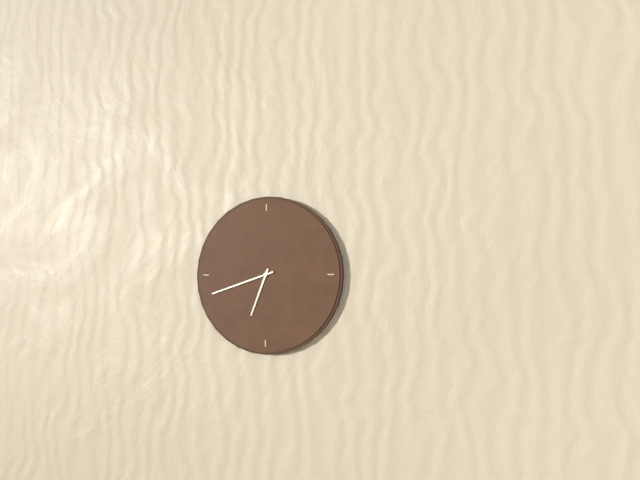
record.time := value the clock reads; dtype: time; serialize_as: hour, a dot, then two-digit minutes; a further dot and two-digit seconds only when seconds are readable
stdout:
6.42
